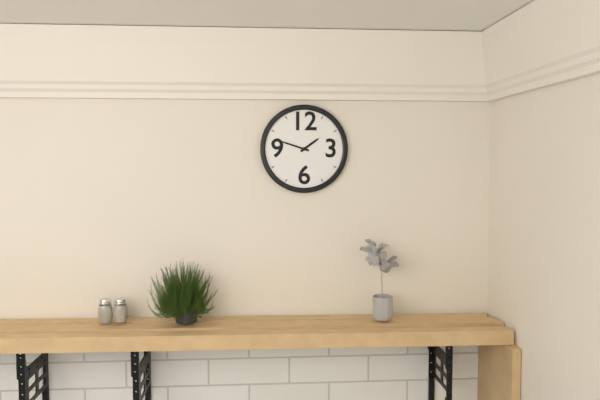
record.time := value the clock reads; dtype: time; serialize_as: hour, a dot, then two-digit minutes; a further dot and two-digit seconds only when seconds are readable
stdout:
1.48
